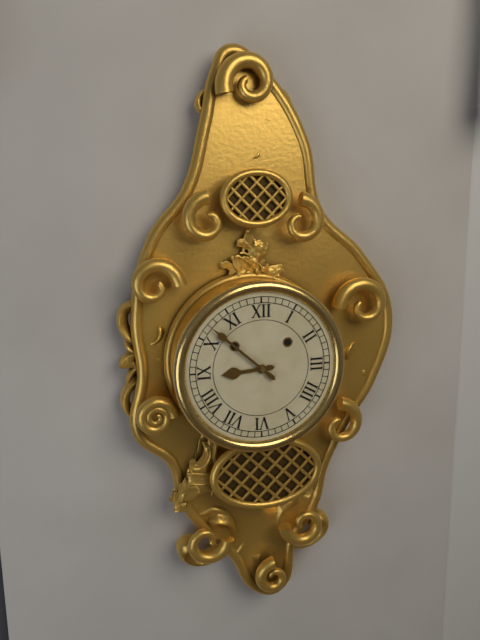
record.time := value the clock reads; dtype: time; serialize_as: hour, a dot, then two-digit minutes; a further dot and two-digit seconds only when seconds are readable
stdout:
8.52
